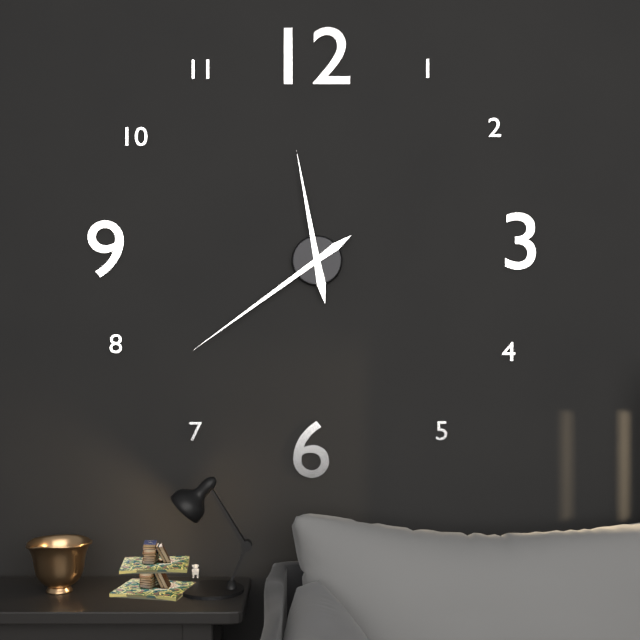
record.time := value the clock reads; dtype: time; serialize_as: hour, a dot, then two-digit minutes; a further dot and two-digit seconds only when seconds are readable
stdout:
11.39
